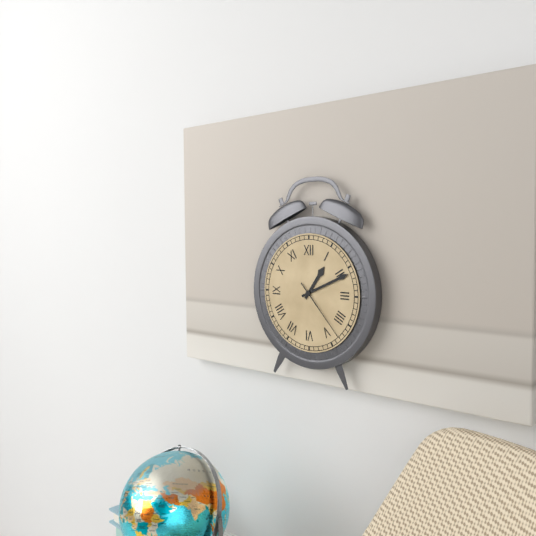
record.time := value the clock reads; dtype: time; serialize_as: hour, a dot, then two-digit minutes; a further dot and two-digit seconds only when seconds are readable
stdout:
1.11.23
